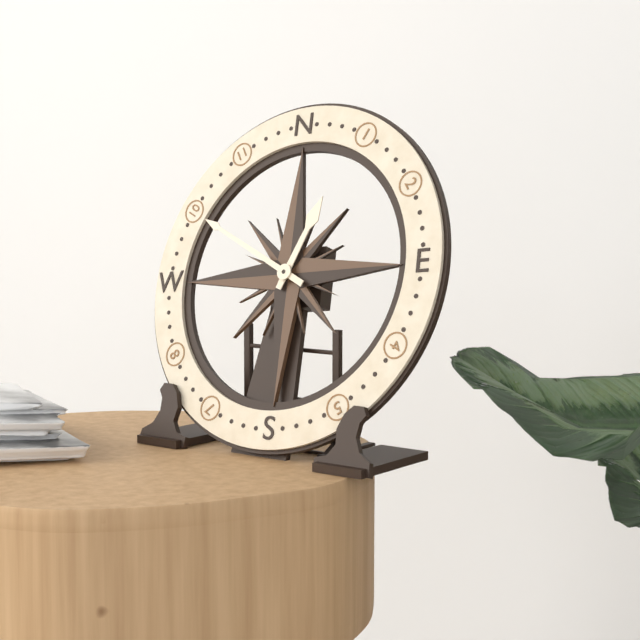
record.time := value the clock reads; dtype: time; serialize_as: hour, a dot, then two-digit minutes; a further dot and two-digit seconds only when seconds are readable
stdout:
12.50
